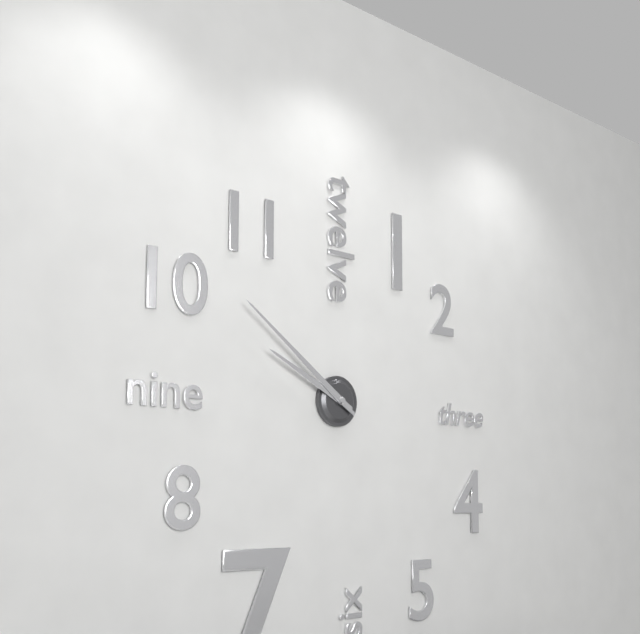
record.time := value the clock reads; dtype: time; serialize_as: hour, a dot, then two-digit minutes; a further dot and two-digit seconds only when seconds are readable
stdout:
9.51
